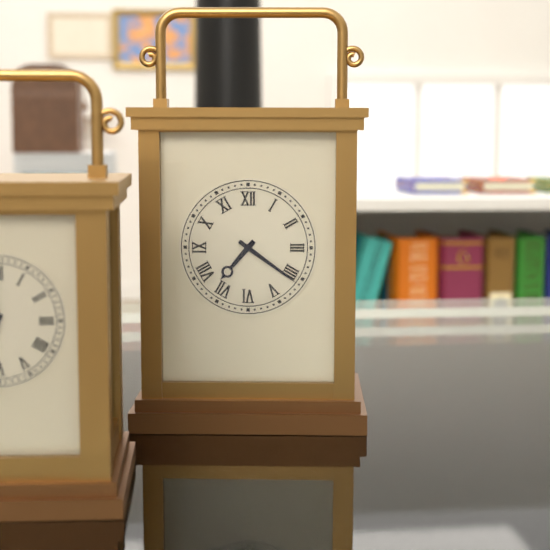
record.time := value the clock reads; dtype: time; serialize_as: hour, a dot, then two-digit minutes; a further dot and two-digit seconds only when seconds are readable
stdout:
7.21
